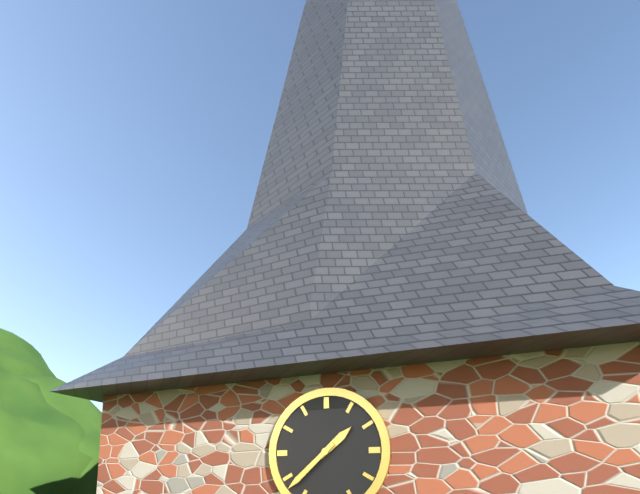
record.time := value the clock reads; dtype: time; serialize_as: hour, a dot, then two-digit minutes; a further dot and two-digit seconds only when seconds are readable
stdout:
1.38
